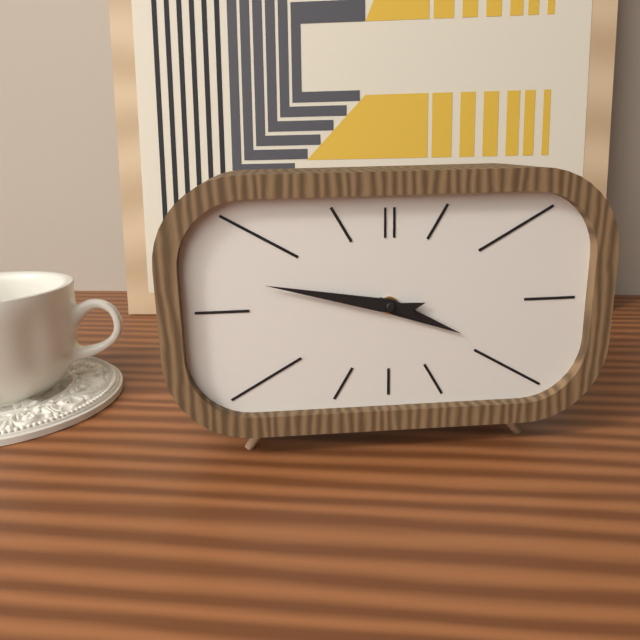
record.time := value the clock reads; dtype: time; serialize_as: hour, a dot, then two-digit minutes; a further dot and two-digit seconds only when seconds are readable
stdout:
3.47
